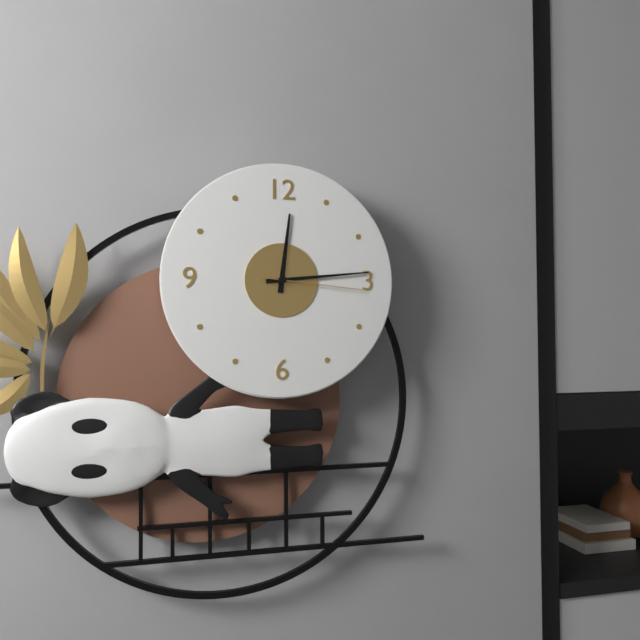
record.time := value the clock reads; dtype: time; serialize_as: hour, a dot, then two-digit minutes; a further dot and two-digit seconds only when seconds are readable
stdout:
12.14.16
